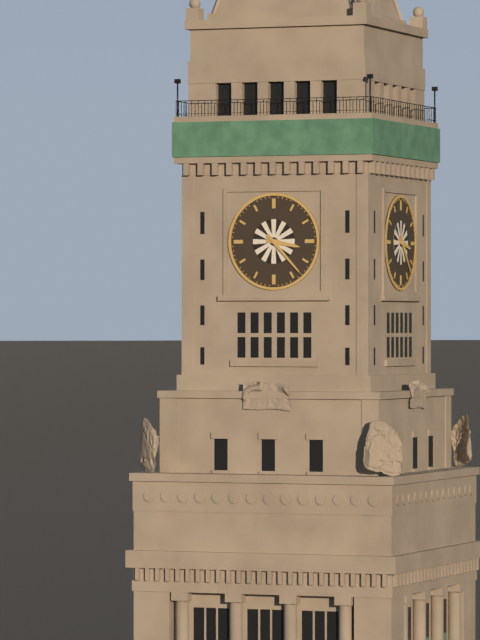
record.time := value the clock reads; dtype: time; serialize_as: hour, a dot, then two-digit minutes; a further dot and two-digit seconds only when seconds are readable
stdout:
3.23
